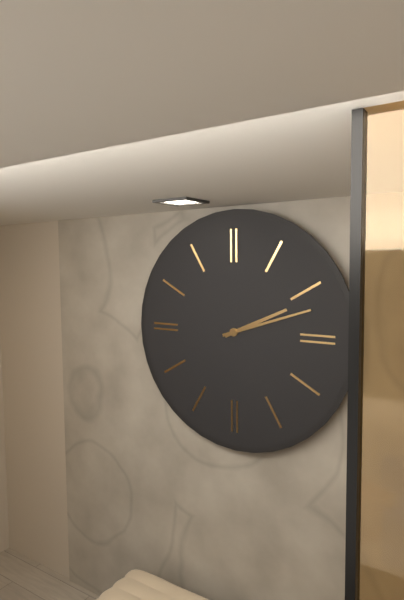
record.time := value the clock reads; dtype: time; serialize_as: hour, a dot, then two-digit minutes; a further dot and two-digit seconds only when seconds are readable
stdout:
2.12
